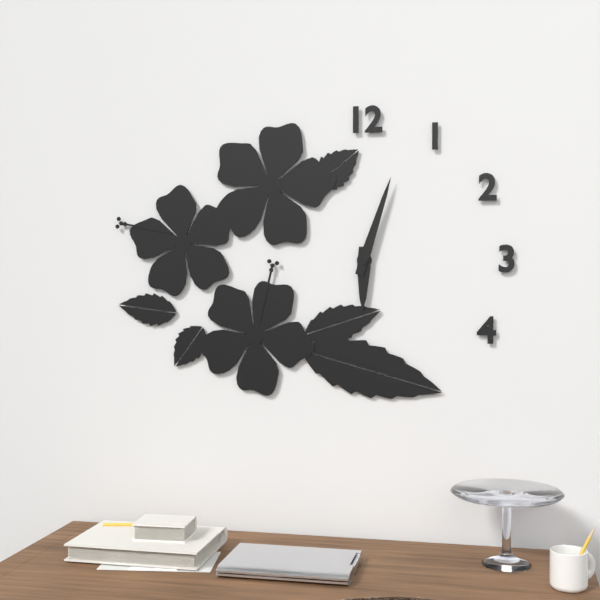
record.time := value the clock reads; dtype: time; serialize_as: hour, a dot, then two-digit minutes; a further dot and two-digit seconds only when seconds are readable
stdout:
6.03
